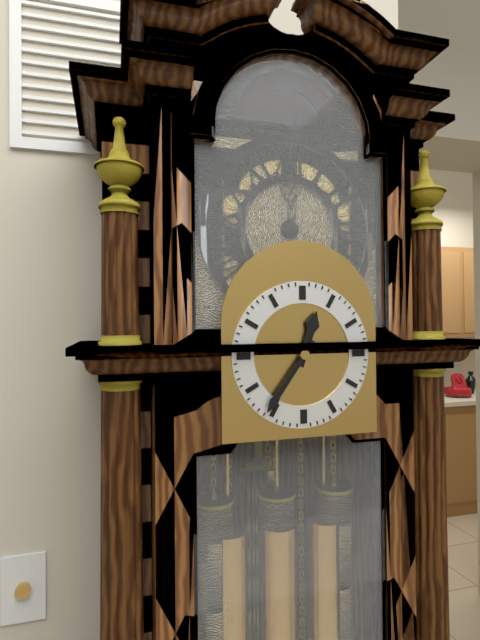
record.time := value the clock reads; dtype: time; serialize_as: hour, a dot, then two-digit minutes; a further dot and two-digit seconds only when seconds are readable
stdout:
12.36
